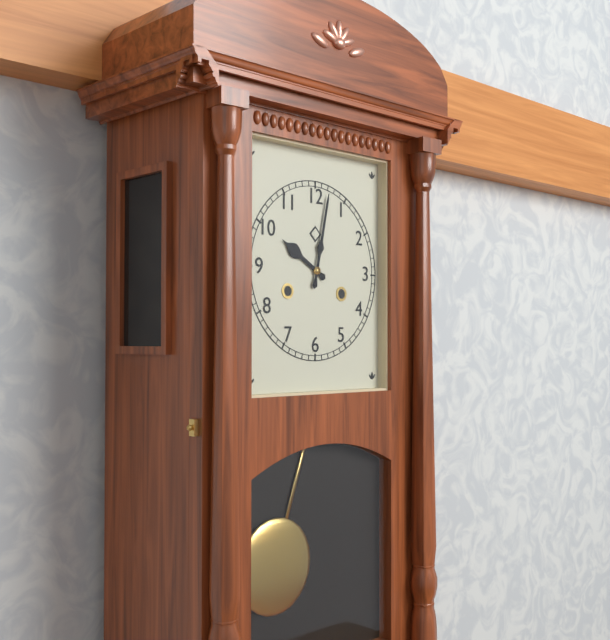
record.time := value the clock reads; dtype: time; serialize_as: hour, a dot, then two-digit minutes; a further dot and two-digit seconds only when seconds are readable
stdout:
10.02
